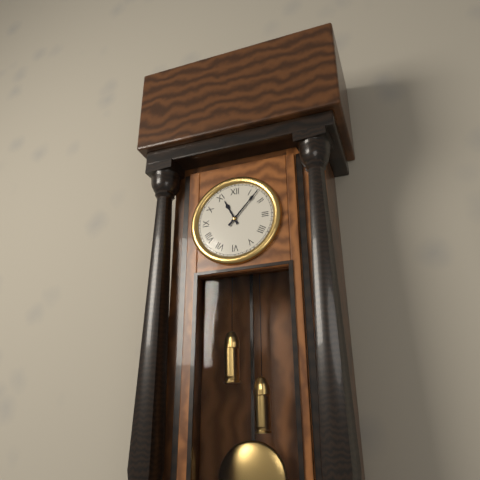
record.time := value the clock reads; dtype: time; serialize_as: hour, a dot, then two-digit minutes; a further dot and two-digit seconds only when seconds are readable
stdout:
11.07
